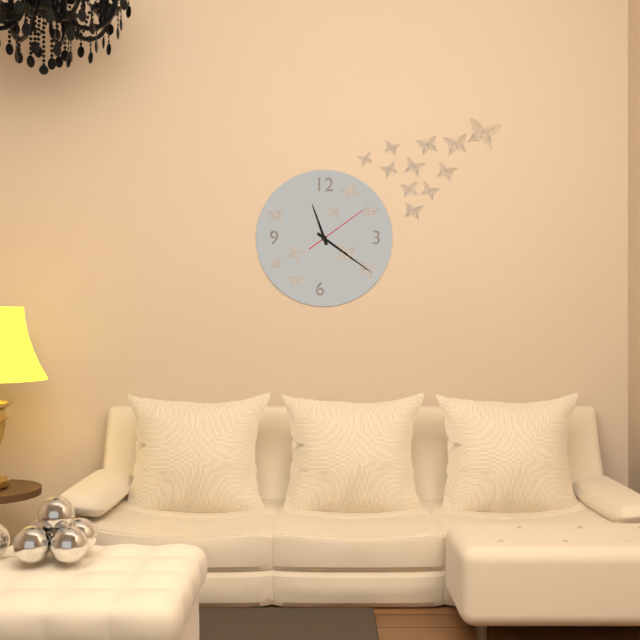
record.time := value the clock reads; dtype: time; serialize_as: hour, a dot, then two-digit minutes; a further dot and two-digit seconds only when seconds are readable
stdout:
11.21.09
